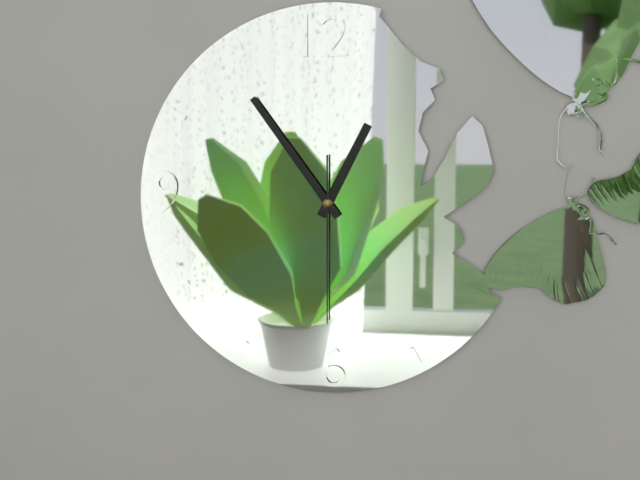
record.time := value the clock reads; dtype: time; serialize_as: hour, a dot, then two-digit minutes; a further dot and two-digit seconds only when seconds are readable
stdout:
12.54.30
